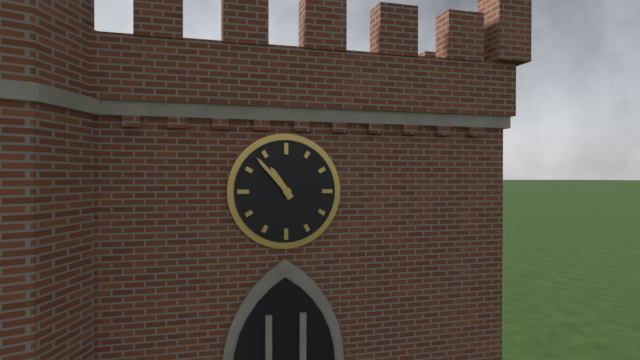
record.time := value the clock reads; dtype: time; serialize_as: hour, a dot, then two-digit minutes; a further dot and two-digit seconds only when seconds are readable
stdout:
10.53
